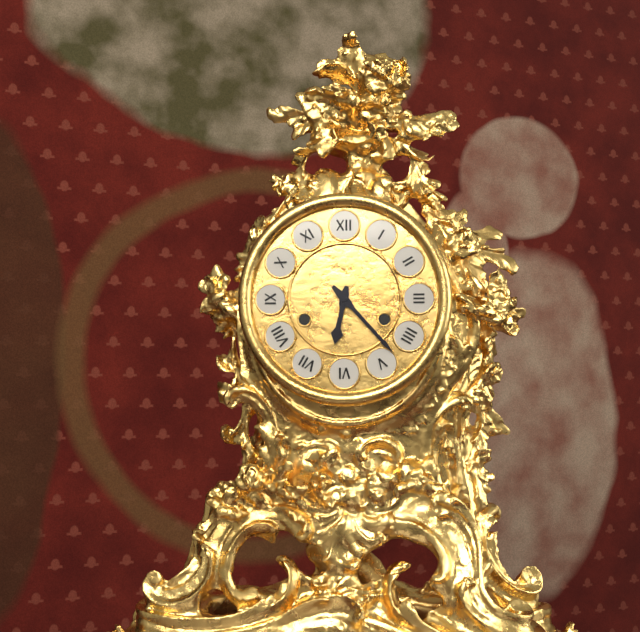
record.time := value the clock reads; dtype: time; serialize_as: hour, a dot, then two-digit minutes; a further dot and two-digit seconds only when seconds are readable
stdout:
6.23
